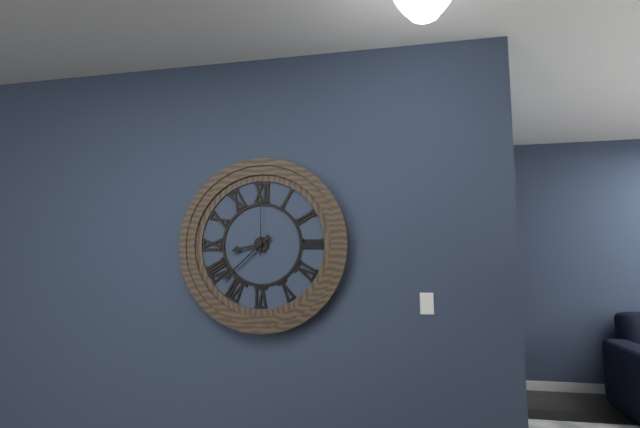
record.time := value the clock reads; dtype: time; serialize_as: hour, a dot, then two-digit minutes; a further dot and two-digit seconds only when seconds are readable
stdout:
8.38.00
